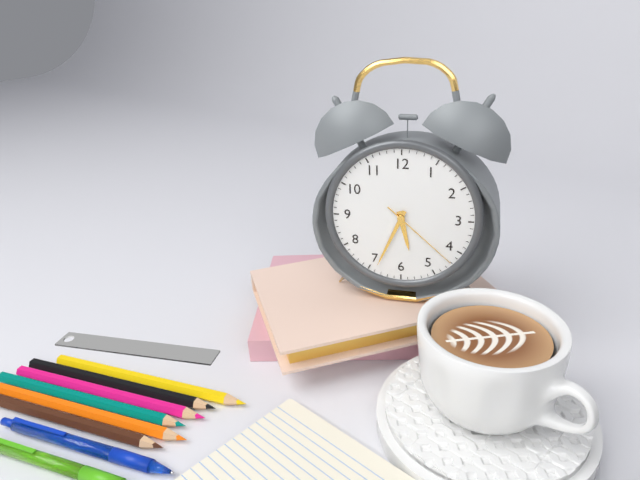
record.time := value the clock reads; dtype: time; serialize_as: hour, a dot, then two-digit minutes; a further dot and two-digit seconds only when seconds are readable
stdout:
5.34.22
